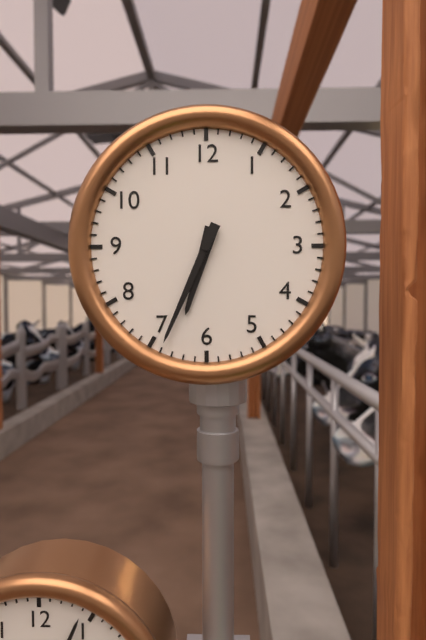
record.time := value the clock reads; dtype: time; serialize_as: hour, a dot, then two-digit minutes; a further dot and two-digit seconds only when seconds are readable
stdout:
6.34
